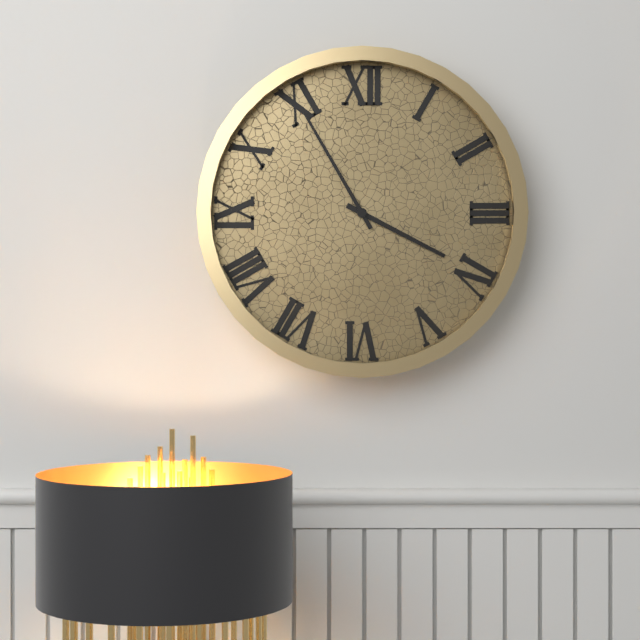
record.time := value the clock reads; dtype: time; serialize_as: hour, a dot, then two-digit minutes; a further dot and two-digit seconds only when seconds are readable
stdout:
3.55
